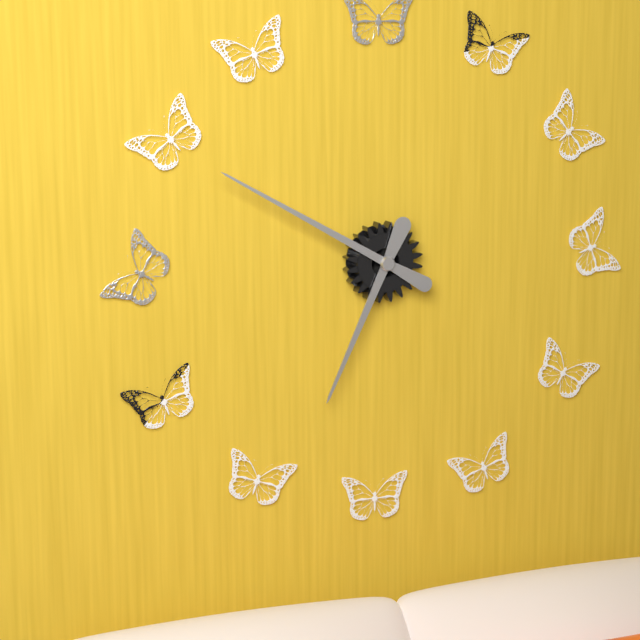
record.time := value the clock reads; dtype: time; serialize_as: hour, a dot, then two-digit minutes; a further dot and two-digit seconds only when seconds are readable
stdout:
6.50
